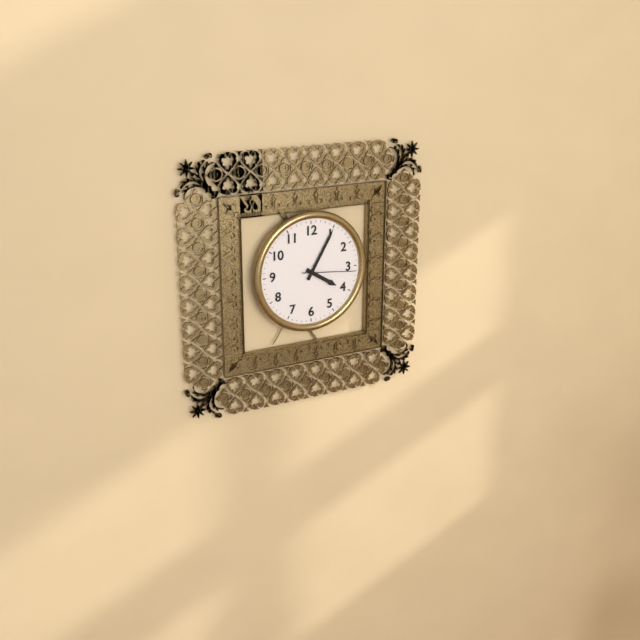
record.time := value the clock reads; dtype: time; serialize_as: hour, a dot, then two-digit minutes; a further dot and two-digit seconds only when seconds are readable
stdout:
4.05.16
